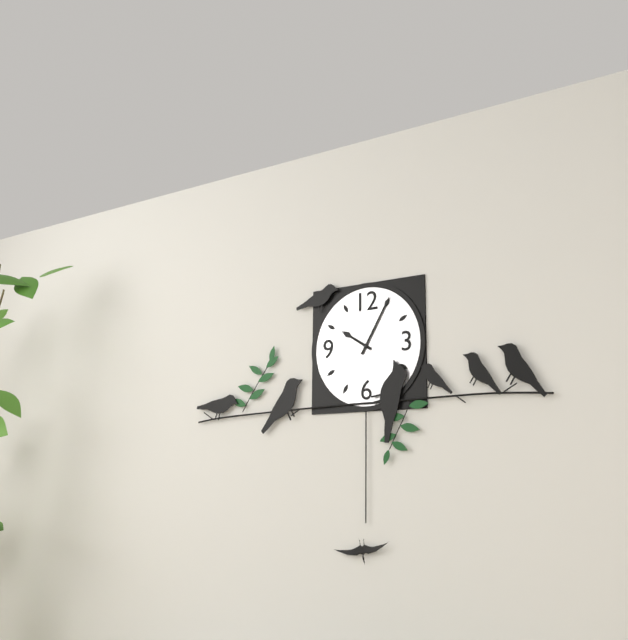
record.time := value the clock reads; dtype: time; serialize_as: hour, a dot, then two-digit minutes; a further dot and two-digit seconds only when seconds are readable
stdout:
10.05
